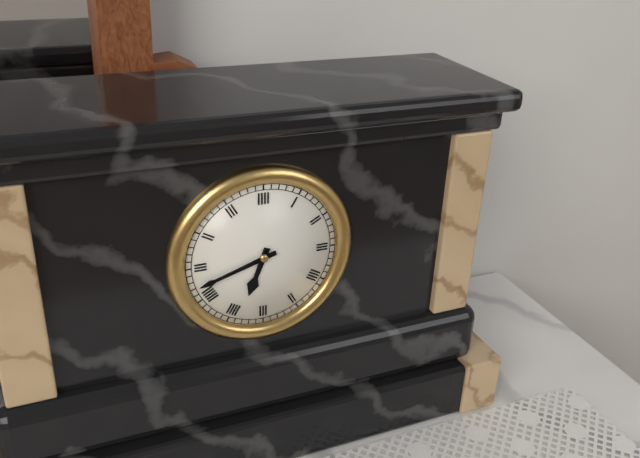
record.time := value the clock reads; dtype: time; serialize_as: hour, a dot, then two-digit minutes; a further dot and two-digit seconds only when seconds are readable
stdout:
6.42
